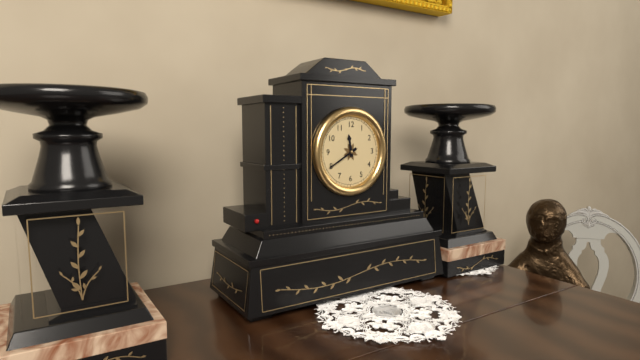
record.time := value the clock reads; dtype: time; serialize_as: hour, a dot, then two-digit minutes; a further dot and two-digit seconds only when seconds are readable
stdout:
11.40
